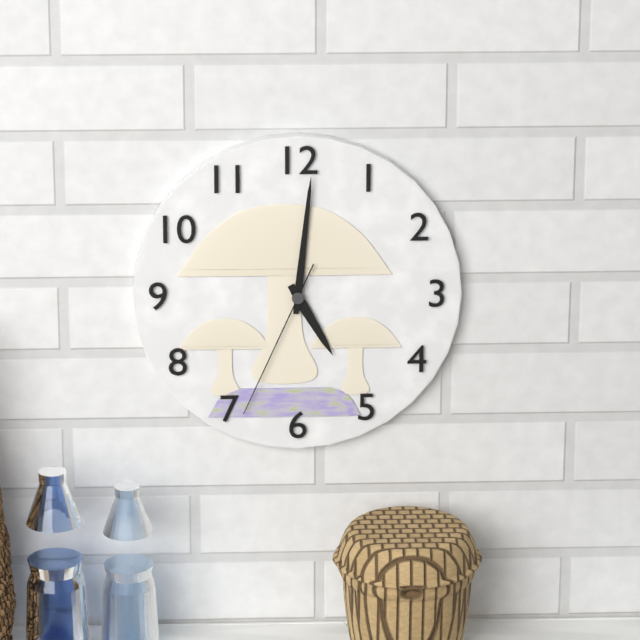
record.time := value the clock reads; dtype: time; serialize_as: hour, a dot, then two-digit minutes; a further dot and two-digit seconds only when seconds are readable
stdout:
5.01.34
